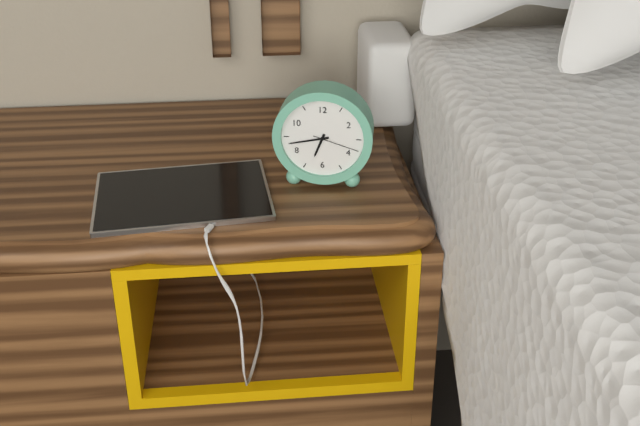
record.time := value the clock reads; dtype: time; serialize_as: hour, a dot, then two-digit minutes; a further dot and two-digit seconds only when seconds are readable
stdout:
6.43
